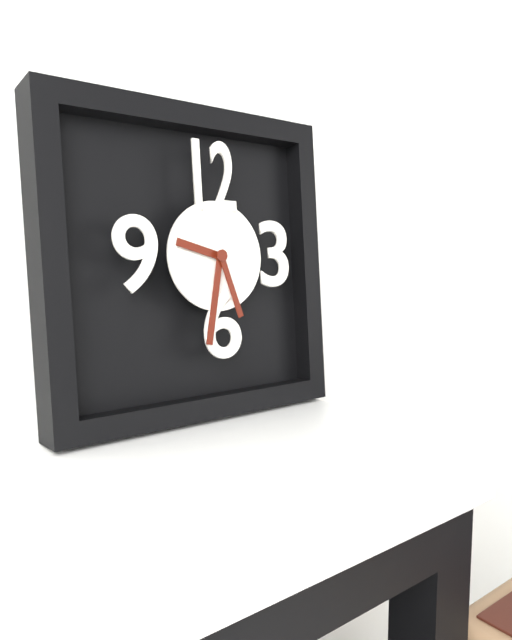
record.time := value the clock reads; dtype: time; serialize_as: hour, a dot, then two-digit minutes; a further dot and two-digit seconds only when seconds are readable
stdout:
9.32.27
